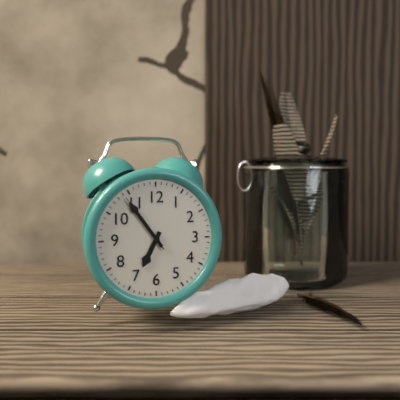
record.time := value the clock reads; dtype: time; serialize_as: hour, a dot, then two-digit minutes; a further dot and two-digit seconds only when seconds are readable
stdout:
6.54.54
